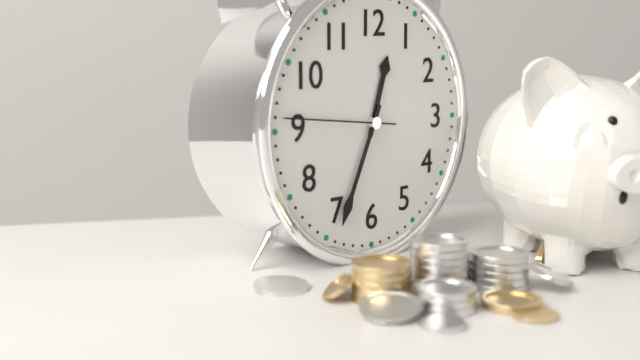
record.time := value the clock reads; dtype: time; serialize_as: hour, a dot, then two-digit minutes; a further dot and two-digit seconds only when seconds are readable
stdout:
12.34.46
